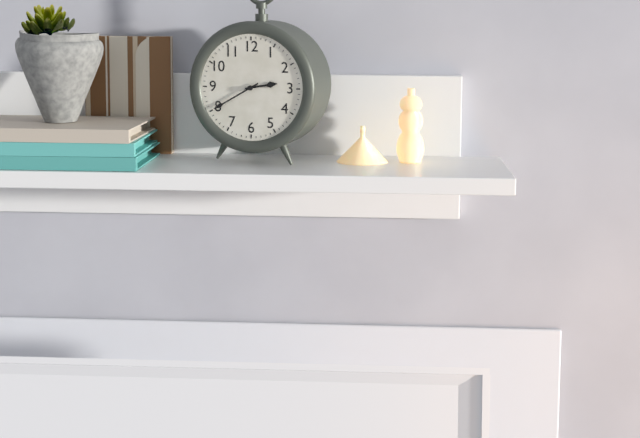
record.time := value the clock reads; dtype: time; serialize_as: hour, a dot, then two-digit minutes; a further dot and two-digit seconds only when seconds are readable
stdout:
2.40
